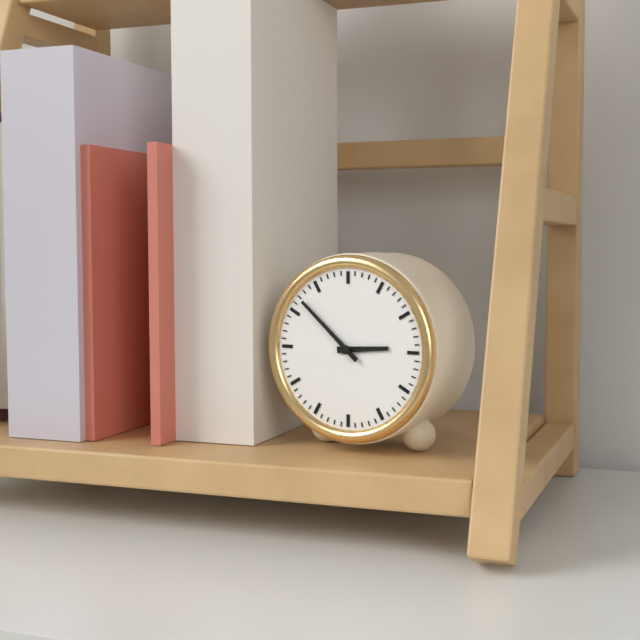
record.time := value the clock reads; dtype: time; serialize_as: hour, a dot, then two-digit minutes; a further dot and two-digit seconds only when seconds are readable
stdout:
2.52
